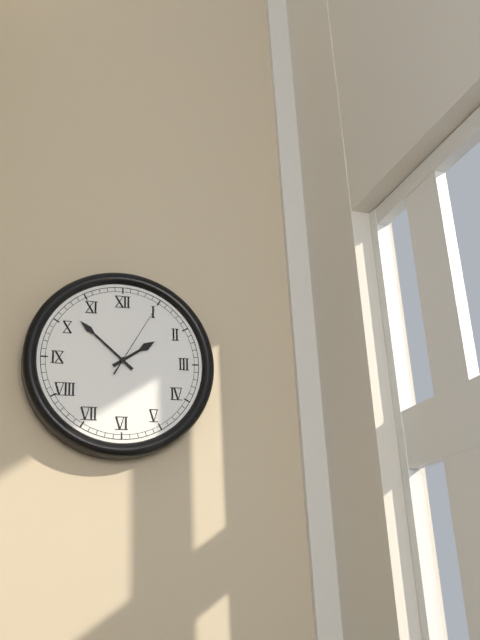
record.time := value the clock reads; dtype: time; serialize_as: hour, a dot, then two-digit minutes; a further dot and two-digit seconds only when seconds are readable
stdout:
1.52.05
